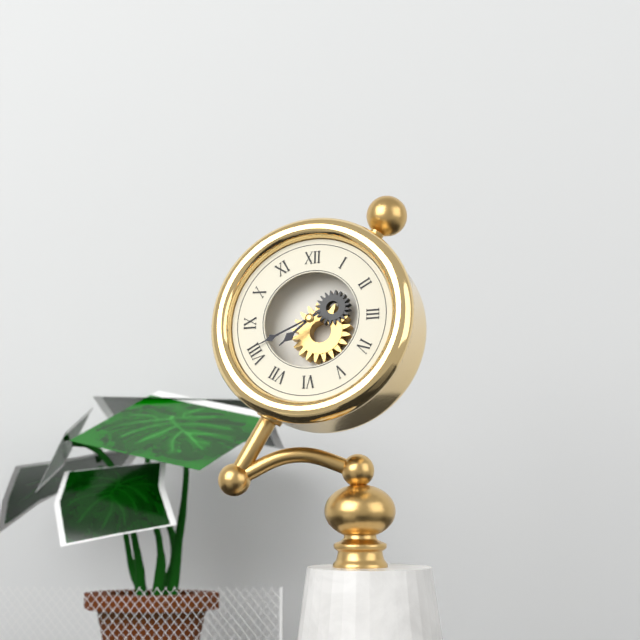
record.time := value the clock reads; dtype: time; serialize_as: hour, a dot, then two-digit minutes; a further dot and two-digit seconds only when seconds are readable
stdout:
7.41
